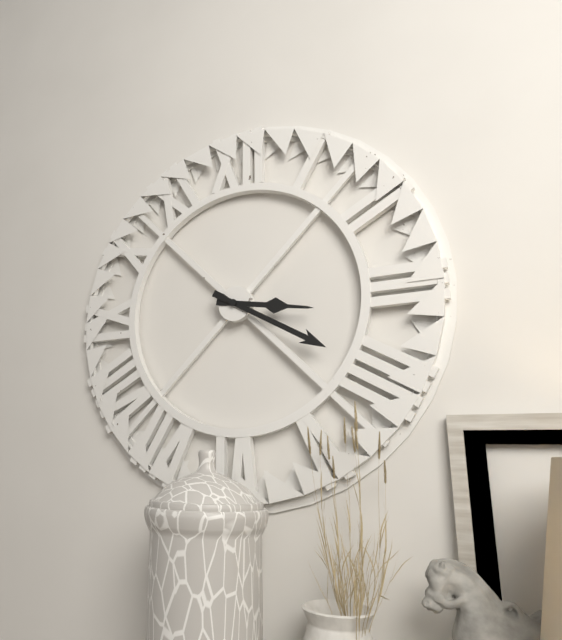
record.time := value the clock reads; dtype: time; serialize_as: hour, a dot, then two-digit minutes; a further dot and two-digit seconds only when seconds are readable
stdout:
3.20
